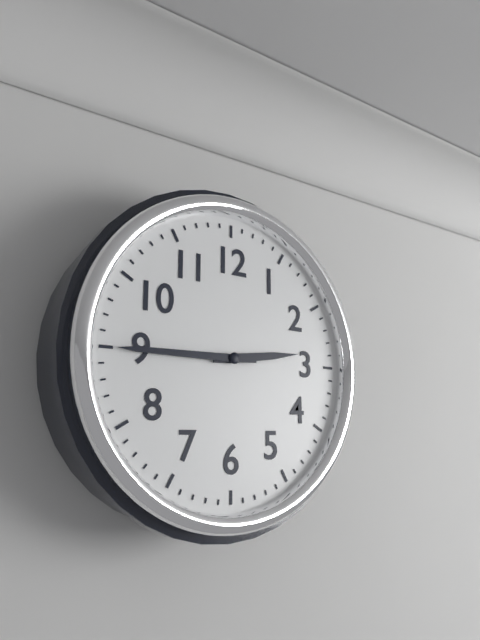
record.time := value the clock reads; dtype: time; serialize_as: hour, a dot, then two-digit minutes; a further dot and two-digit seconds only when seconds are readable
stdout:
2.45
